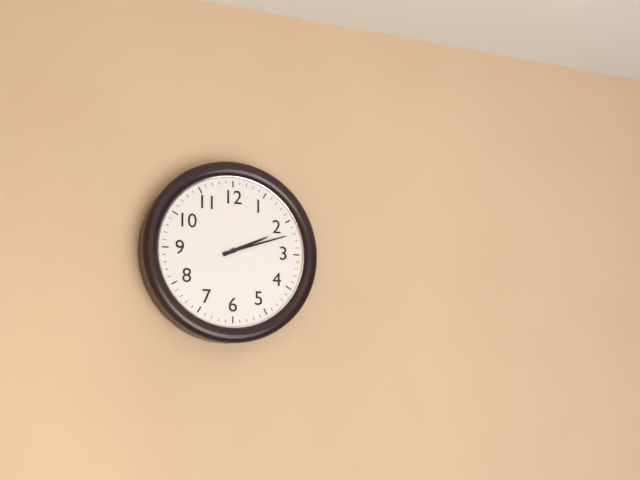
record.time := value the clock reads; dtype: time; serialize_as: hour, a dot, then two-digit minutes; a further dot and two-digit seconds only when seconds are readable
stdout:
2.12
